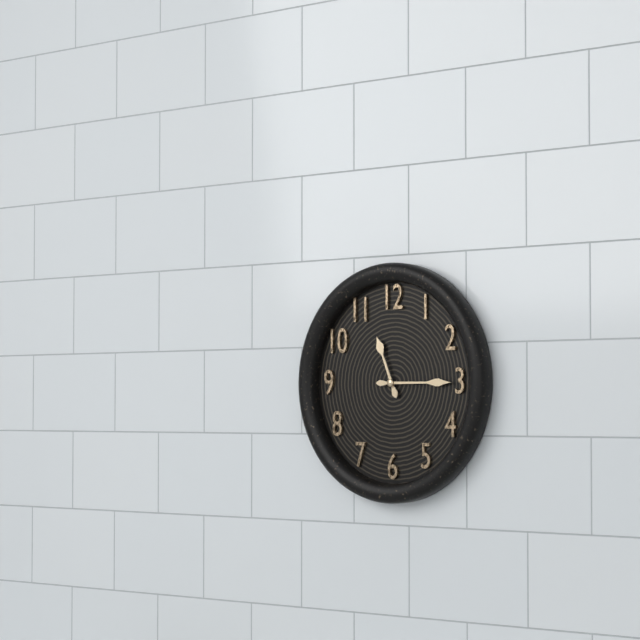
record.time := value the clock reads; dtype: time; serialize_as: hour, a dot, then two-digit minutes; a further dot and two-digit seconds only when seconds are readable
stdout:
11.15
